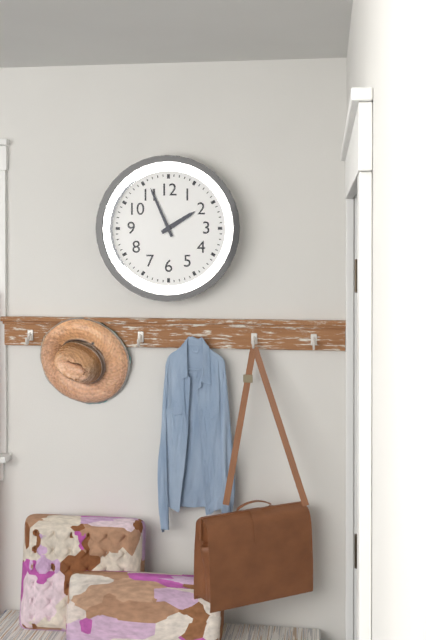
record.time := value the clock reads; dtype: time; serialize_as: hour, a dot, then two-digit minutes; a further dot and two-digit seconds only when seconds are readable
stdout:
1.56
